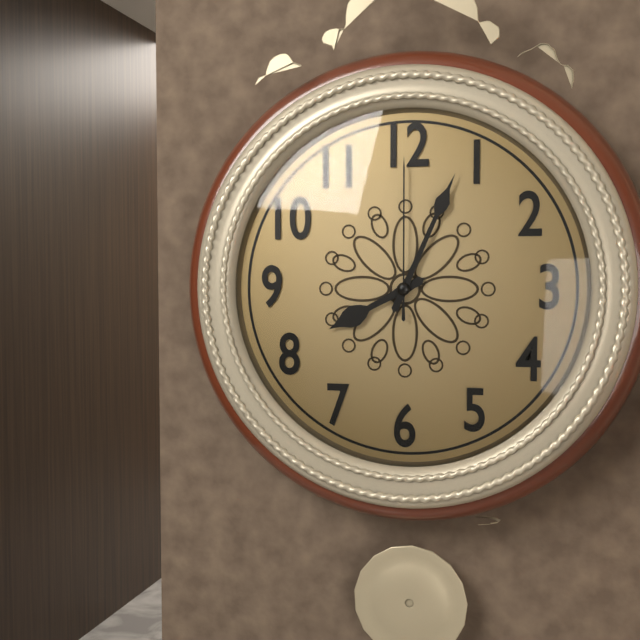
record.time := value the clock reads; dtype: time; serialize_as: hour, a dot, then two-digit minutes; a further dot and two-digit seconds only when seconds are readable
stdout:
8.04.00
